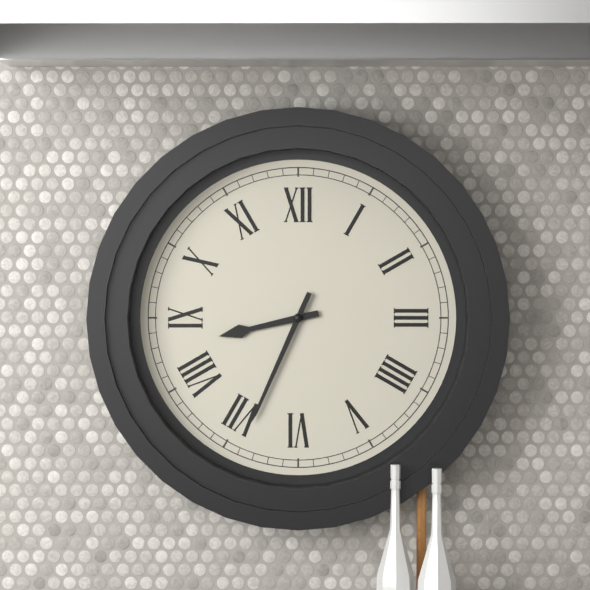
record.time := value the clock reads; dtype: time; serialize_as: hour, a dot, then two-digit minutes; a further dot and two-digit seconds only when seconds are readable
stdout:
8.34
